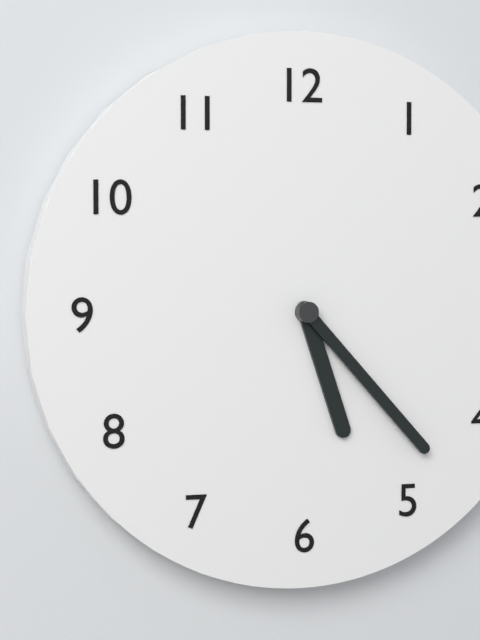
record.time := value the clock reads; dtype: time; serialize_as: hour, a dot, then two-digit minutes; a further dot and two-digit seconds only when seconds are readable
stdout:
5.23
